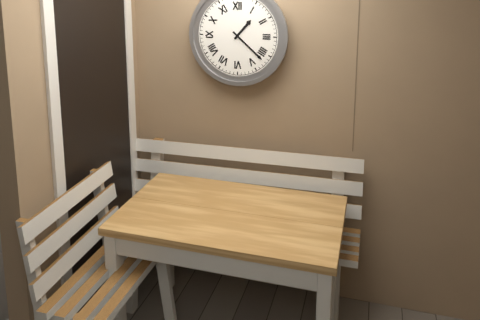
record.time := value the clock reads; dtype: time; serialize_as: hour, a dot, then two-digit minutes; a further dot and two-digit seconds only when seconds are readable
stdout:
1.22
